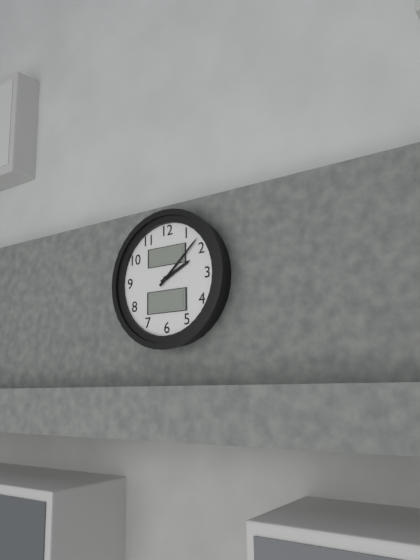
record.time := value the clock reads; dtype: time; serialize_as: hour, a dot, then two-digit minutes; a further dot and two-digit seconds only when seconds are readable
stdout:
2.08
